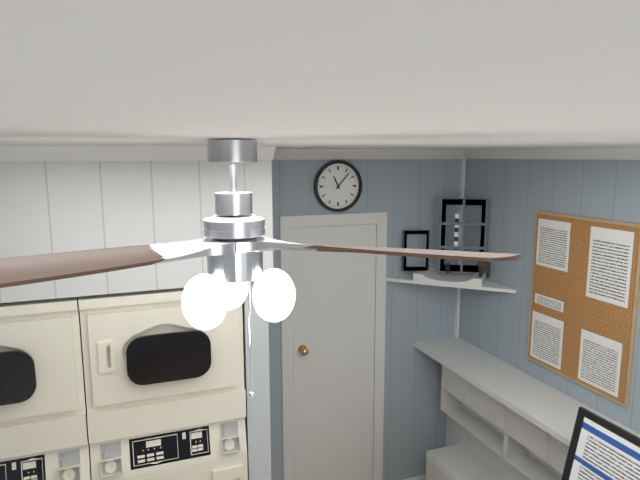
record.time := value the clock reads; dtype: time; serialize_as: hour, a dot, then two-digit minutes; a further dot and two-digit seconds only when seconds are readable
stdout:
11.07
